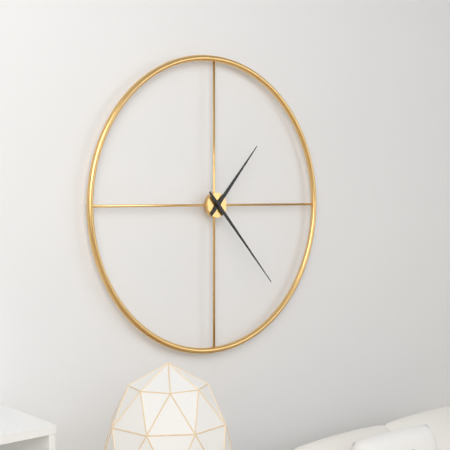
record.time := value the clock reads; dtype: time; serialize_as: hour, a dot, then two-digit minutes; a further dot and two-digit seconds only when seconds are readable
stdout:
1.23
